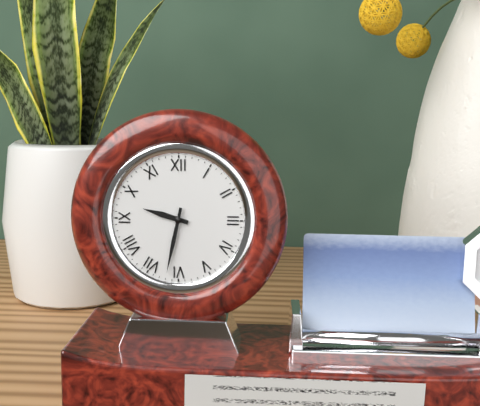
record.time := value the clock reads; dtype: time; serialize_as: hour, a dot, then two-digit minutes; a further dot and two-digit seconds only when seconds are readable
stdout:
9.32
